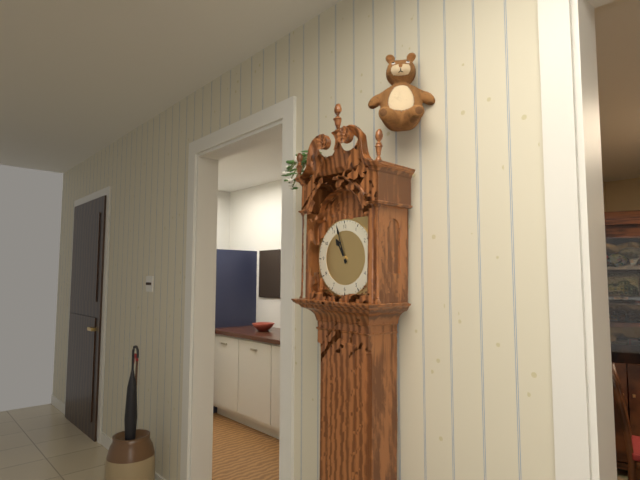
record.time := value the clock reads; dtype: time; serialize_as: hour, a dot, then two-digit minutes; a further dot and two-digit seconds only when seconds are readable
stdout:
10.57
